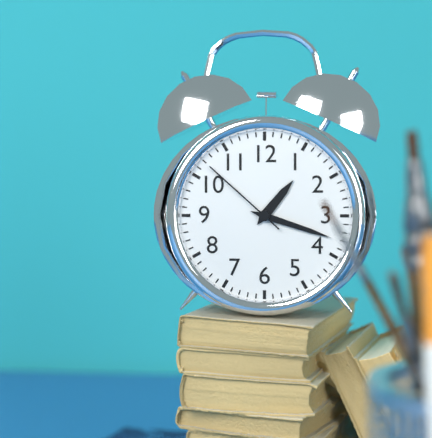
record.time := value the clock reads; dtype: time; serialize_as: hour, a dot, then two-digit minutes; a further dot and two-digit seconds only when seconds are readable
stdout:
1.18.52
